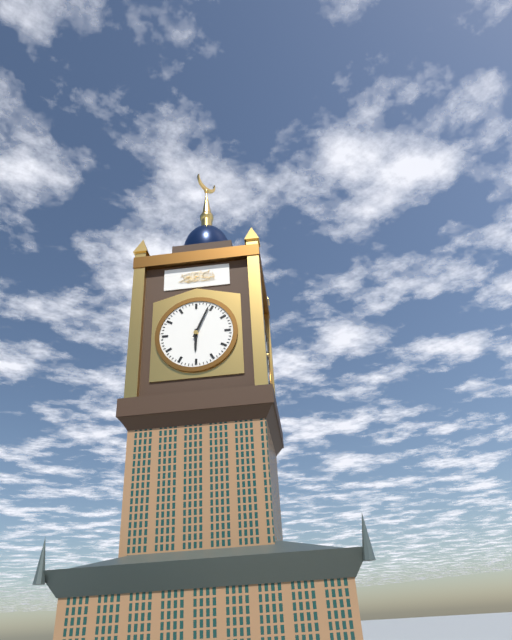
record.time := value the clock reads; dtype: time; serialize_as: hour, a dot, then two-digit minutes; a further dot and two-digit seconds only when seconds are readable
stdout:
6.04
